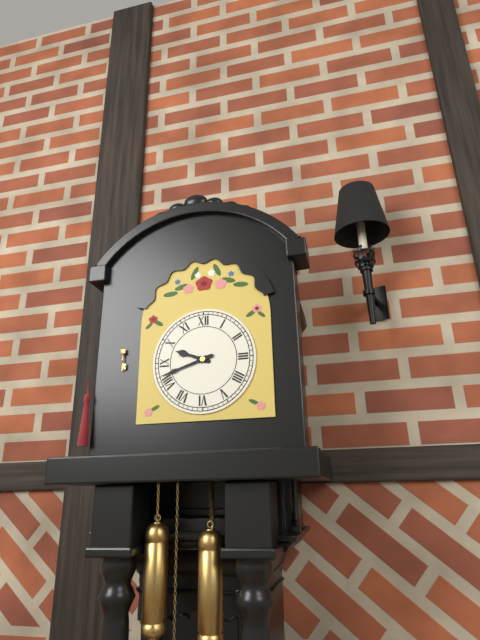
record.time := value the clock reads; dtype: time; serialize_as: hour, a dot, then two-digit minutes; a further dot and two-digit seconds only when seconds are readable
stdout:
9.42
